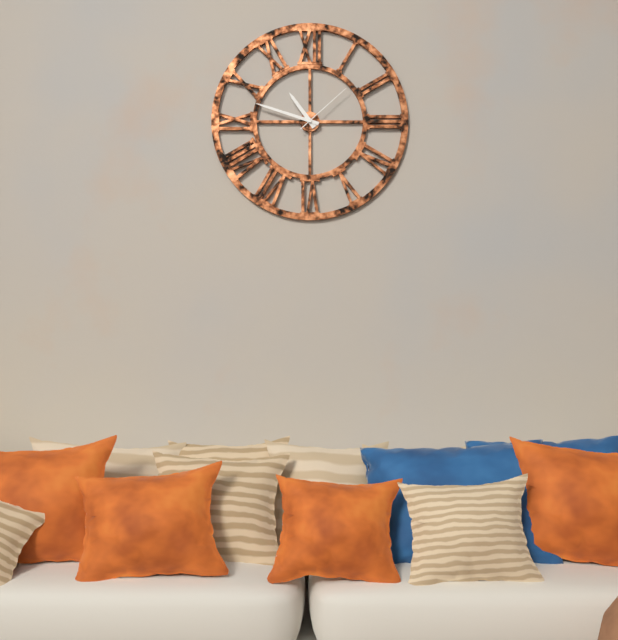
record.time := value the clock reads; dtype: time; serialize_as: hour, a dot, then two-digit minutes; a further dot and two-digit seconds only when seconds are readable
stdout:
10.48.08
